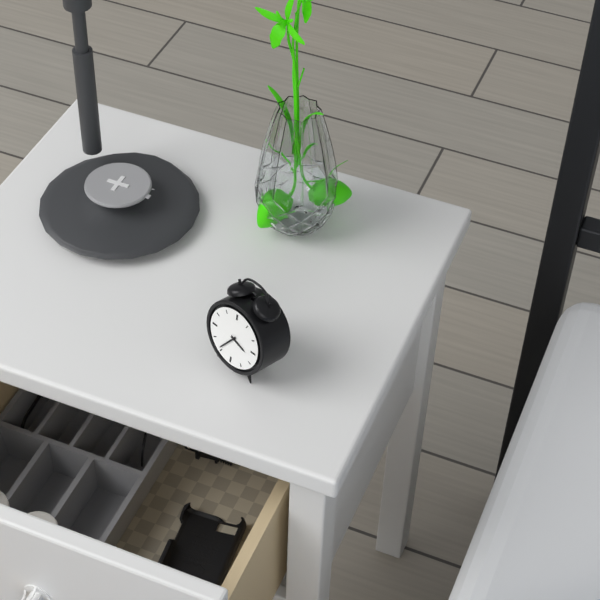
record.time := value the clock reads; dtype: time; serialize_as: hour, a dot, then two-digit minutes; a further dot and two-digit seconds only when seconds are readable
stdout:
3.36
